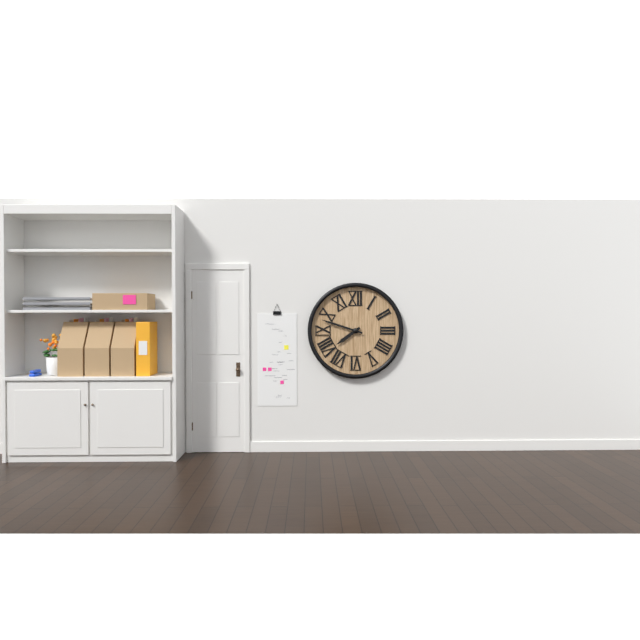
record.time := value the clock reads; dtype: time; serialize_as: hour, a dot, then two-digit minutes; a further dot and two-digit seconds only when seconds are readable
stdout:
7.48
